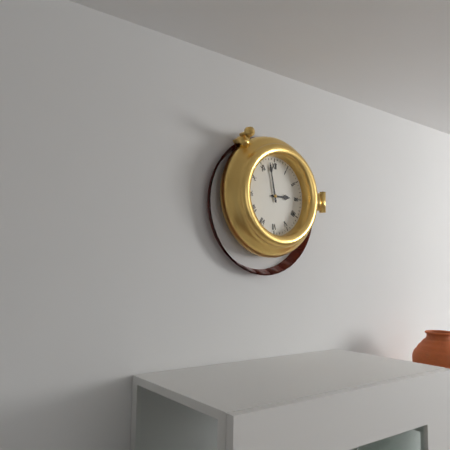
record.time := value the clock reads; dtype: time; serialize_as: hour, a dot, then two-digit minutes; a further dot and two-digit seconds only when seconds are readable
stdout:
2.58
